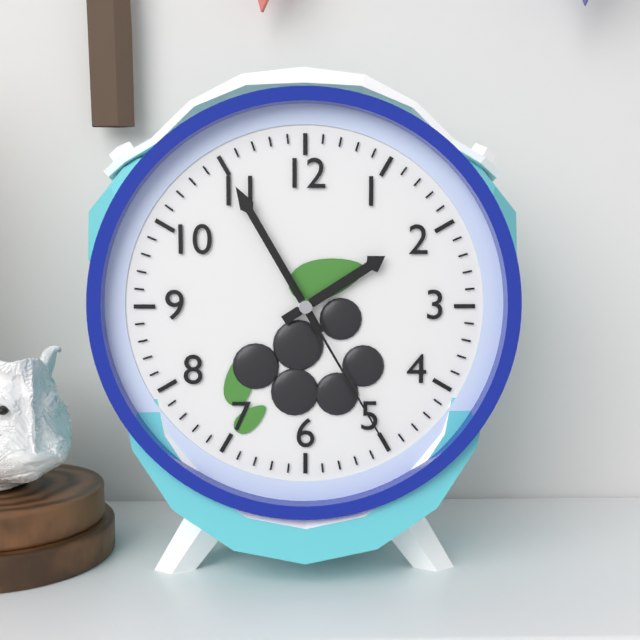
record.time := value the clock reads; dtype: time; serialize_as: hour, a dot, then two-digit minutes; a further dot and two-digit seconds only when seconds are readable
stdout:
1.55.25
